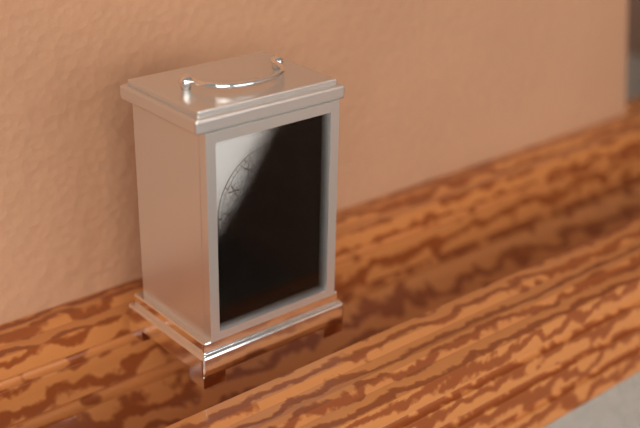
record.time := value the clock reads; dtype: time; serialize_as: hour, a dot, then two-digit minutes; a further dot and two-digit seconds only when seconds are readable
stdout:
4.25
